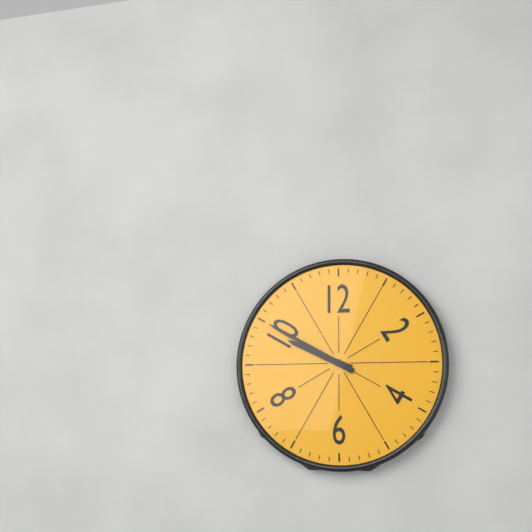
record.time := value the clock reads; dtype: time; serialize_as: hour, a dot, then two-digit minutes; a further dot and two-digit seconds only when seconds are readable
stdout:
9.50
